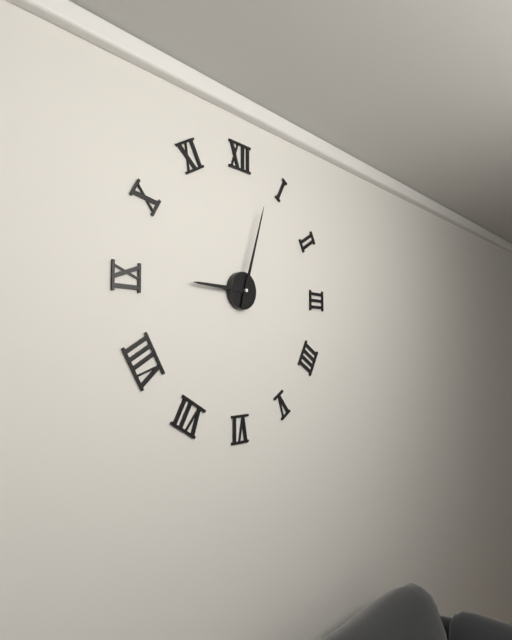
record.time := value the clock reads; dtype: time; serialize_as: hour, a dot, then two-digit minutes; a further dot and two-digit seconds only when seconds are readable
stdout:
9.03
